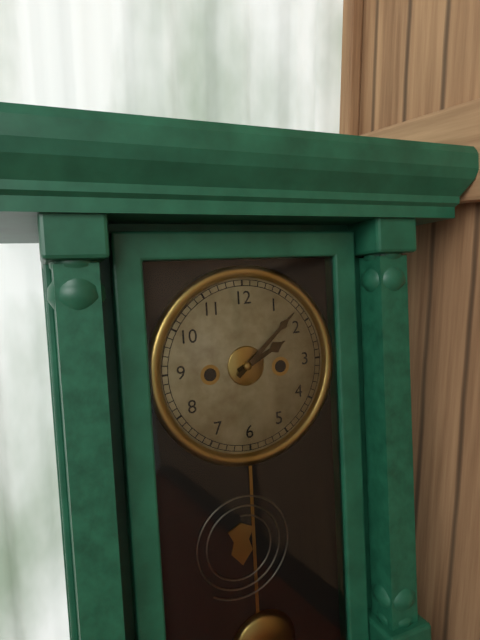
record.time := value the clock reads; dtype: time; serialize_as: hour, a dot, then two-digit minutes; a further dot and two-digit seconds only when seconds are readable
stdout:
2.08
